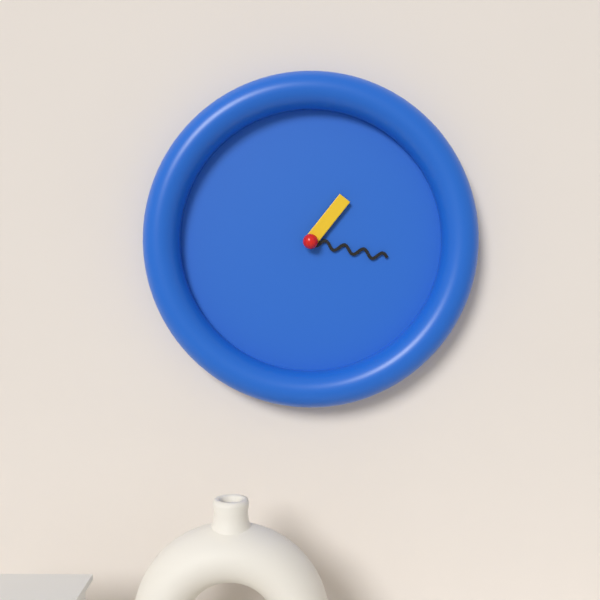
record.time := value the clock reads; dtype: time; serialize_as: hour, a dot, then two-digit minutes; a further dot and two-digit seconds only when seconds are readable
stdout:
1.17
